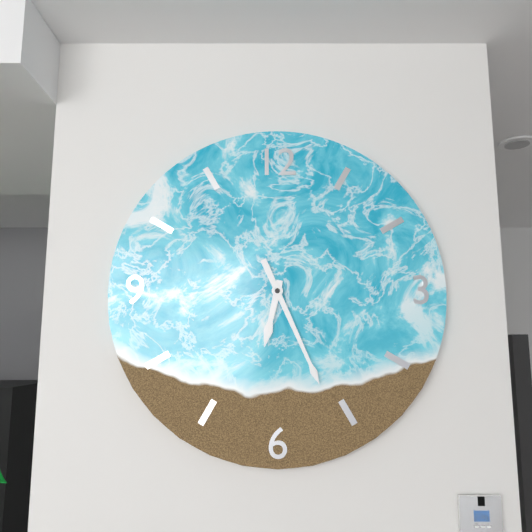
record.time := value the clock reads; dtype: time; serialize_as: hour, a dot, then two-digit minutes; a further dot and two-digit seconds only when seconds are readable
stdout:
6.26
